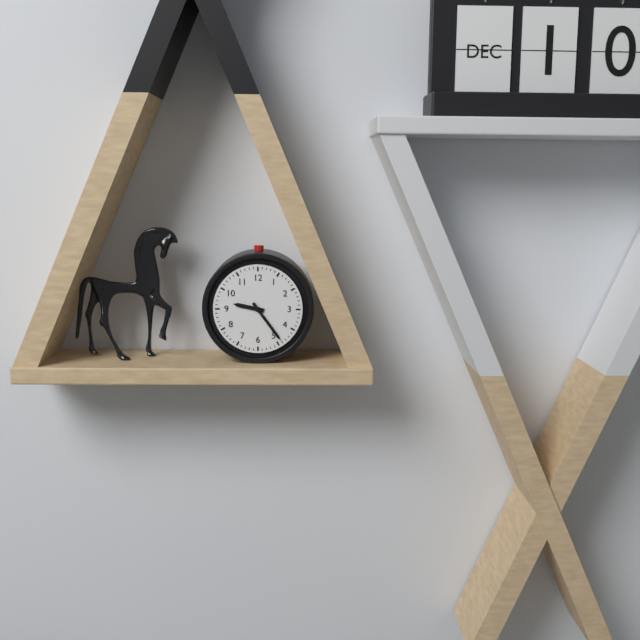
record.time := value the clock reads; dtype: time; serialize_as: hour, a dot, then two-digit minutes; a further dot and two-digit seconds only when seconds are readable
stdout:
9.24
